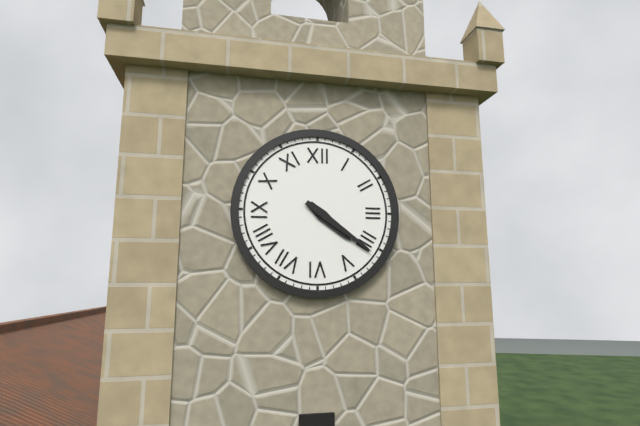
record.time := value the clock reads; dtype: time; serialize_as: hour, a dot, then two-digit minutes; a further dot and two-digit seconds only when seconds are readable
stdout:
4.21
